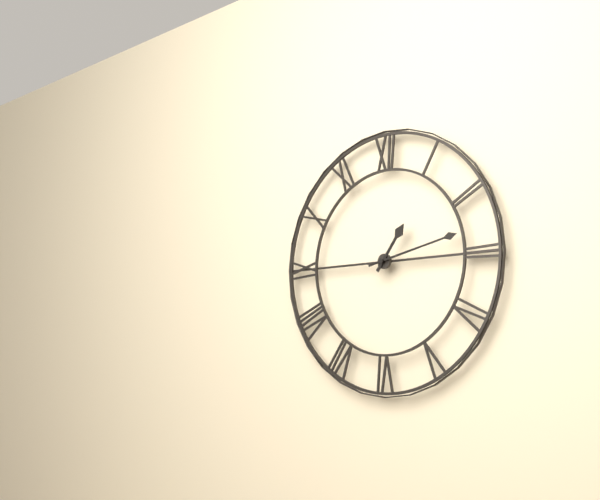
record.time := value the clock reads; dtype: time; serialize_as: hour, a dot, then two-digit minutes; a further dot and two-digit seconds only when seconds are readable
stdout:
1.13
